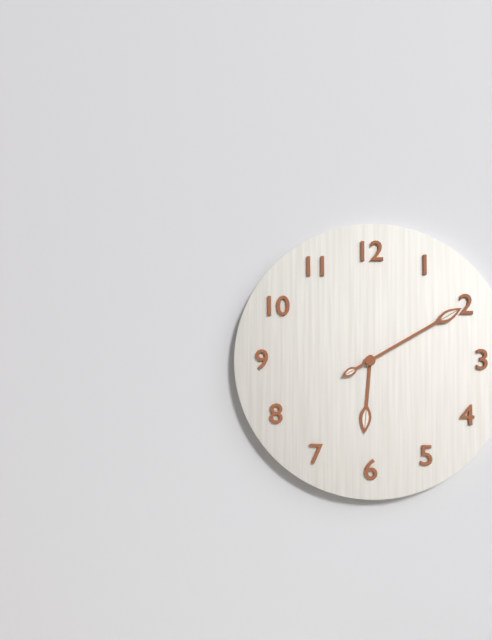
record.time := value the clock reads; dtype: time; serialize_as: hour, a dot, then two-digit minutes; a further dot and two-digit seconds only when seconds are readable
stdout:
6.10
